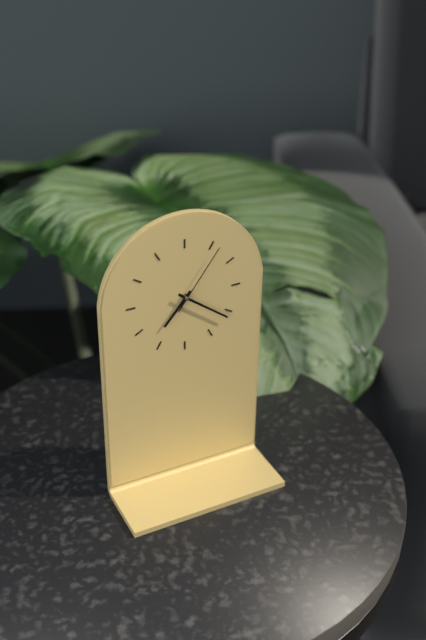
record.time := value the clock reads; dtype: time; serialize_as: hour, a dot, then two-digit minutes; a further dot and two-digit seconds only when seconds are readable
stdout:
7.21.06
